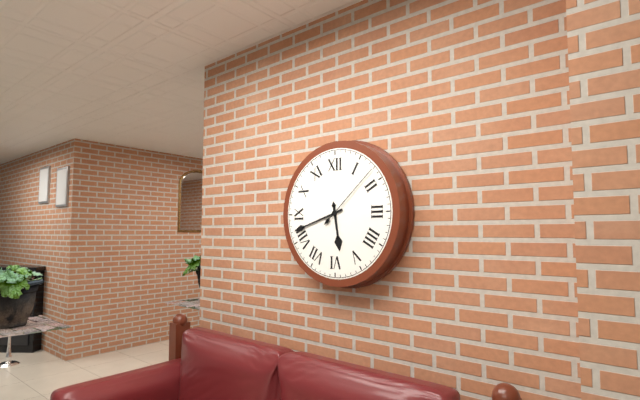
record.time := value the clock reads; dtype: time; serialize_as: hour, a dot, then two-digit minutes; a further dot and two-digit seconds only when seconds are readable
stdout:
5.42.08
